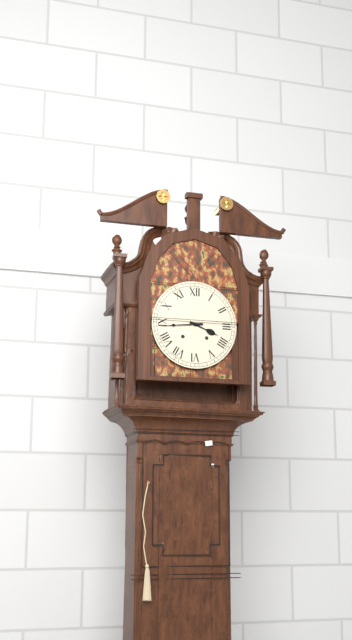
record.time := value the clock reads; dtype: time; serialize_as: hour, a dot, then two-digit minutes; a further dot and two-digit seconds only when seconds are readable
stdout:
3.44
